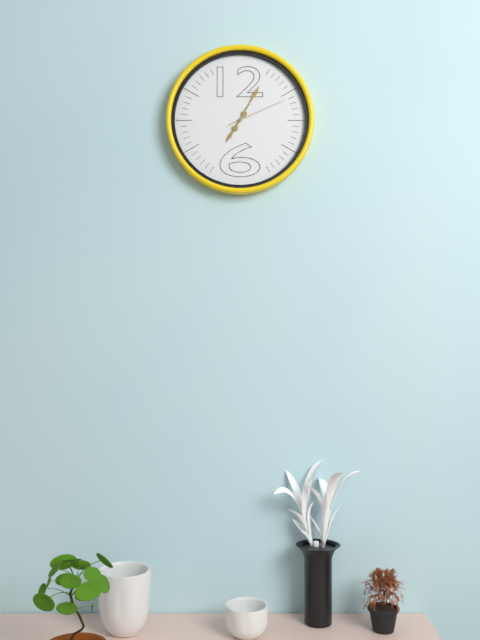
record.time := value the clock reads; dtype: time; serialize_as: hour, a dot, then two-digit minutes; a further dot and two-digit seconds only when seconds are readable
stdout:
7.05.11
